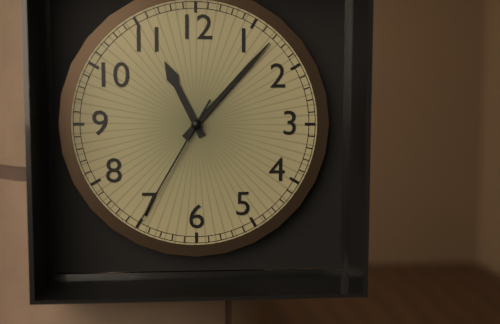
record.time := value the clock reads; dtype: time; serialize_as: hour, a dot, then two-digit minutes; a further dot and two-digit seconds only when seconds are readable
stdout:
11.07.35
